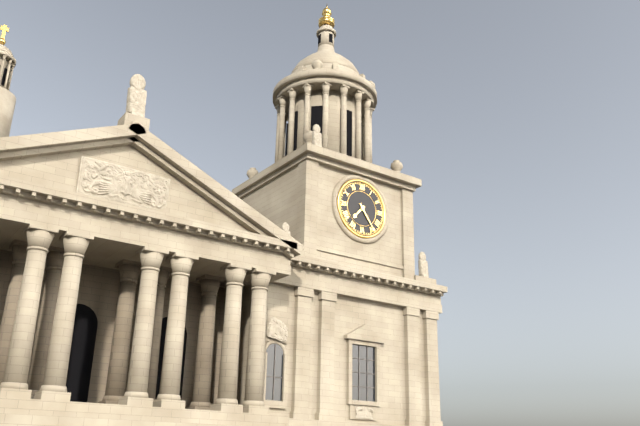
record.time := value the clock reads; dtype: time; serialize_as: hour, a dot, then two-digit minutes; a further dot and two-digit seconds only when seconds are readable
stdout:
7.24
